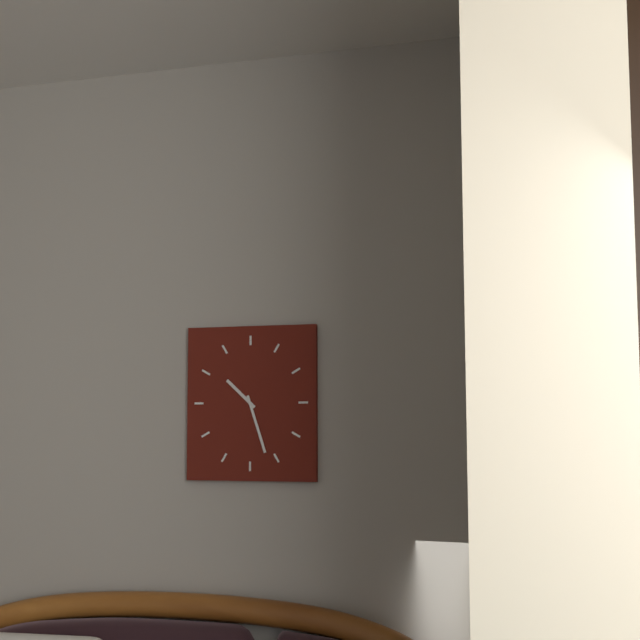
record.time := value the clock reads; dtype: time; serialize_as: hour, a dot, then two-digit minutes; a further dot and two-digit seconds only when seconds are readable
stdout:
10.27
